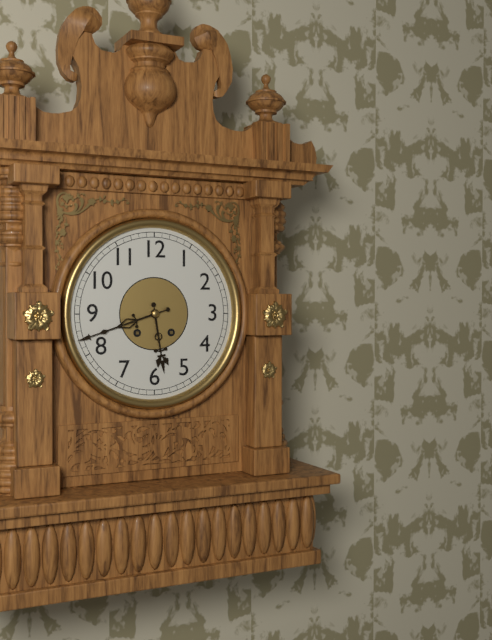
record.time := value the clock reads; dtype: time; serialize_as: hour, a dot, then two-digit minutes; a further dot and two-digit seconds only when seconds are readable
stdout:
5.42
